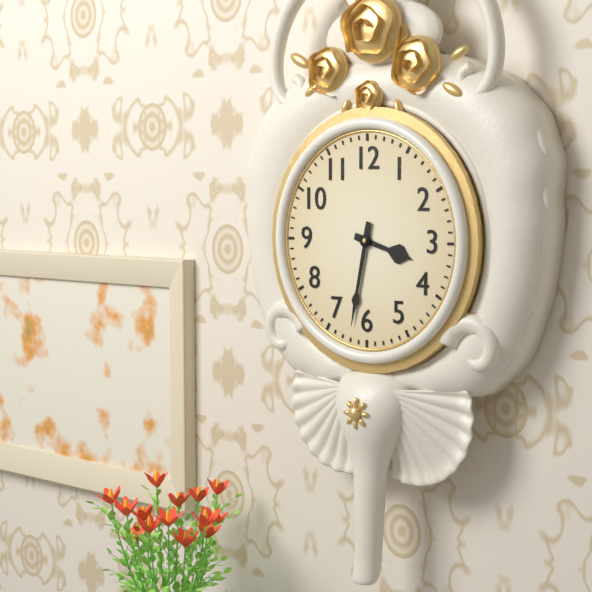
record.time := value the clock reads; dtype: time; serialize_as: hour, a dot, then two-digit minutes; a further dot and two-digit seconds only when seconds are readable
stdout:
3.32
